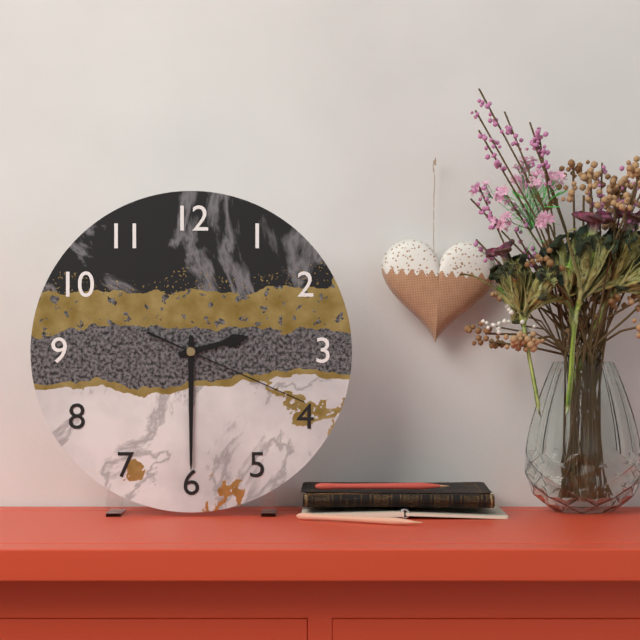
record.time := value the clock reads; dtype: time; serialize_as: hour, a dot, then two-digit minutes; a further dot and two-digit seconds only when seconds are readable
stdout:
2.30.19
